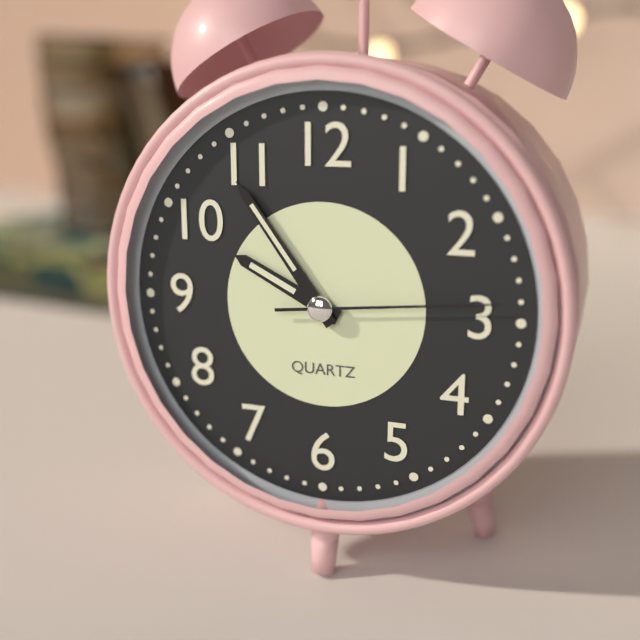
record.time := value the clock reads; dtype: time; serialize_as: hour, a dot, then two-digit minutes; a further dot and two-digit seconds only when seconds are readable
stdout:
9.54.14
